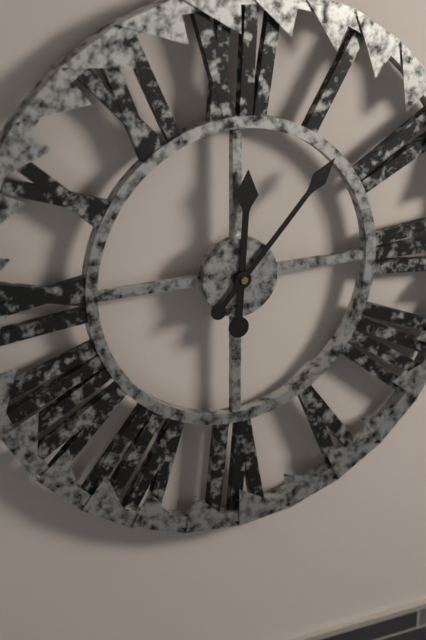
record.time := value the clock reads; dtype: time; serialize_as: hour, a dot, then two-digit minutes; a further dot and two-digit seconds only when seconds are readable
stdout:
12.07
